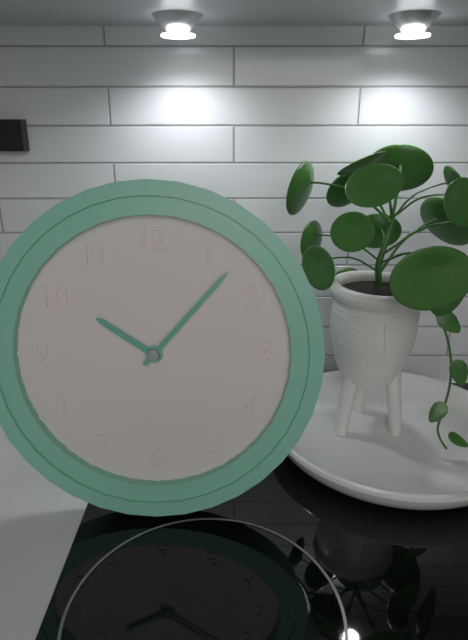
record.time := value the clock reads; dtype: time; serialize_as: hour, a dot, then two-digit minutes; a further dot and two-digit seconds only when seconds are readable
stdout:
10.07
